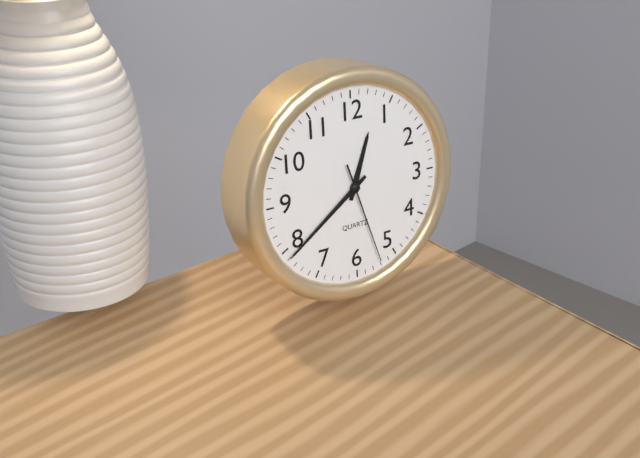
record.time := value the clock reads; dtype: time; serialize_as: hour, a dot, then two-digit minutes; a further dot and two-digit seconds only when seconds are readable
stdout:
12.39.27
